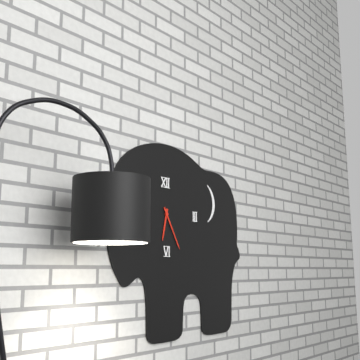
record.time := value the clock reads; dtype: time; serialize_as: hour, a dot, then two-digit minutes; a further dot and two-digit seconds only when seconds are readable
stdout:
6.25
